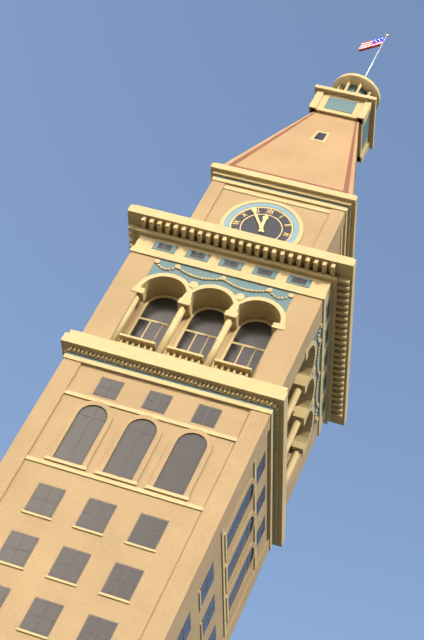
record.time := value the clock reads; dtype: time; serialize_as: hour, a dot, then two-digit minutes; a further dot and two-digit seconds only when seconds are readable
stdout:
11.54
